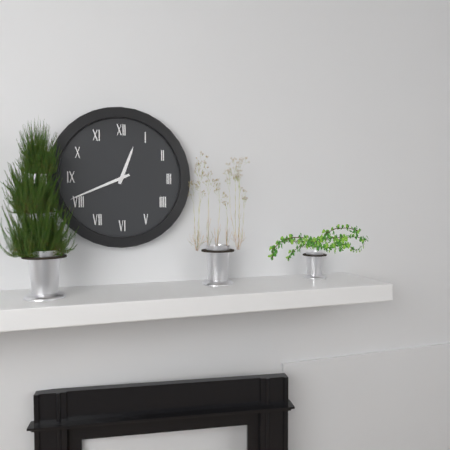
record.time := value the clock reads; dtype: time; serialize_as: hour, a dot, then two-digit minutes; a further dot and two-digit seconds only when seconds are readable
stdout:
12.41
